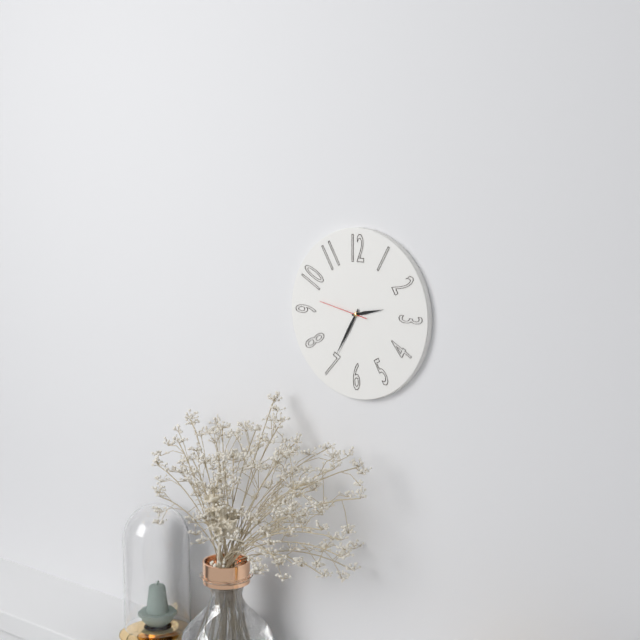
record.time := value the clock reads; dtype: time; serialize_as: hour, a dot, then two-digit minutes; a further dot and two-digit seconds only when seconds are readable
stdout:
2.35
